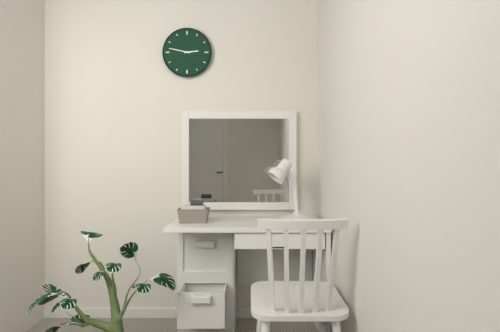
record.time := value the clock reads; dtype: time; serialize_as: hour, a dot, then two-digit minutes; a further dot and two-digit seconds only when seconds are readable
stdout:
2.47
